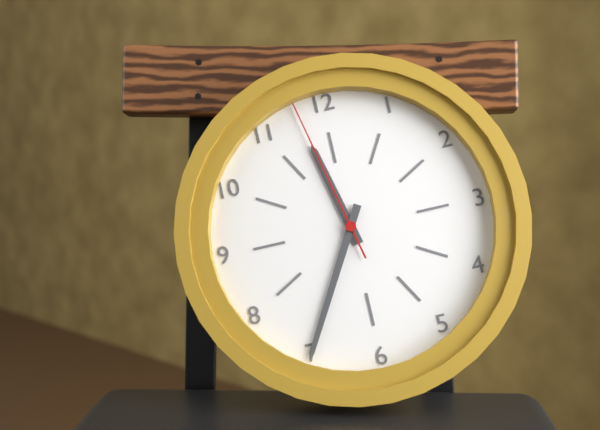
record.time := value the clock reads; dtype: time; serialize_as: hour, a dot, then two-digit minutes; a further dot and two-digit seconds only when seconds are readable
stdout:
11.35.58
